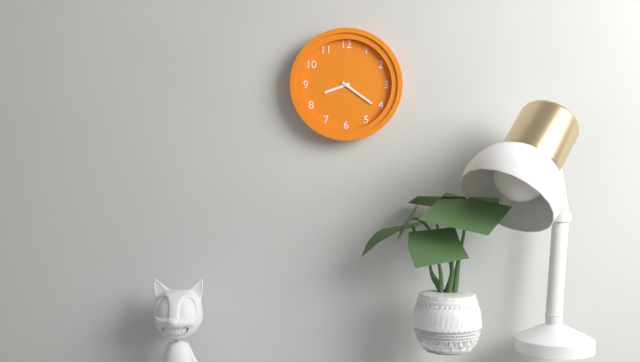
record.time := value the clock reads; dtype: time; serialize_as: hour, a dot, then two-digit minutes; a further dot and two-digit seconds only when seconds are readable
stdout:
8.21
